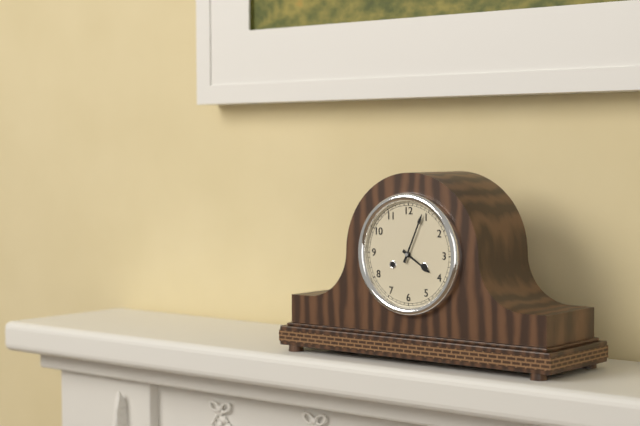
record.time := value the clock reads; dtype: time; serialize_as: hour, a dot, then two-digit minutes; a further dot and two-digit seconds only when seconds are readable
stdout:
4.04
